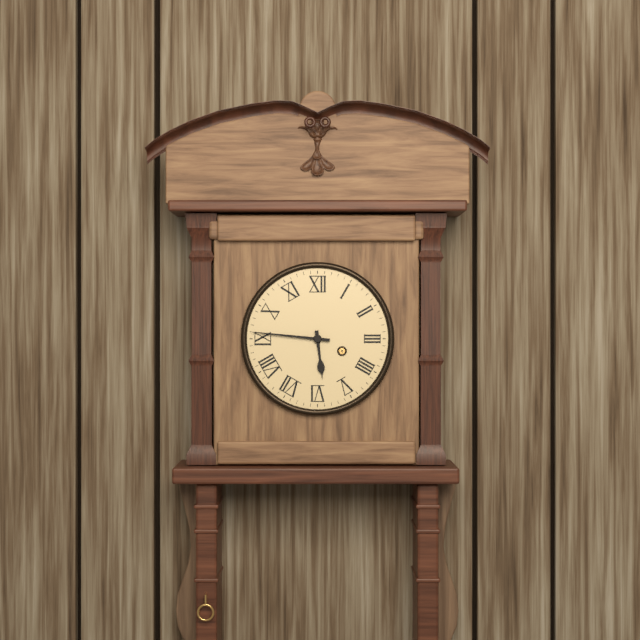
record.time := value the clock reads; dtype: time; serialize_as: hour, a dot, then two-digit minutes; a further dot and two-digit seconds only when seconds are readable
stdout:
5.46
